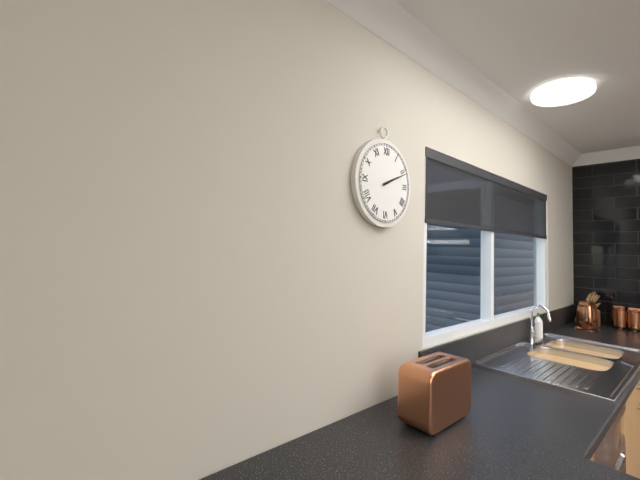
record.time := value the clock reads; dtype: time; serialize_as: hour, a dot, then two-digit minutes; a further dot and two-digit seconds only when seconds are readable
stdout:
2.11
